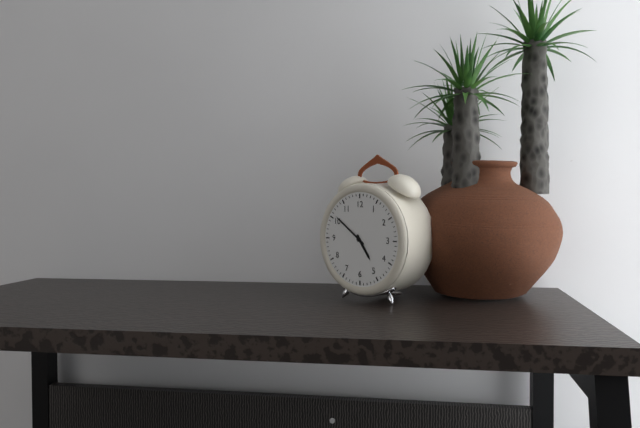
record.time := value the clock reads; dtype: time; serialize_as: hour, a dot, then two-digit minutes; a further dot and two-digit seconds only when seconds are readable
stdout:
4.51
